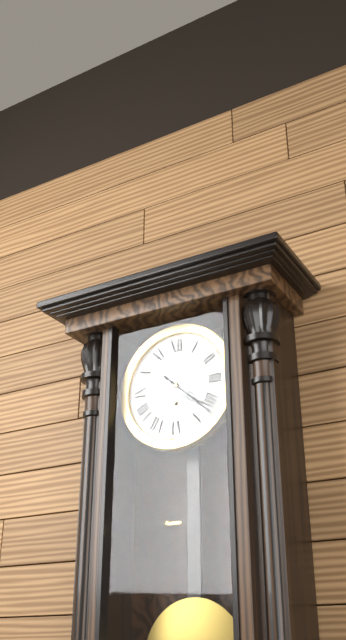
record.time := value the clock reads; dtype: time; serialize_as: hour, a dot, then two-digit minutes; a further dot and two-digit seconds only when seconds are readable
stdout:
4.22
